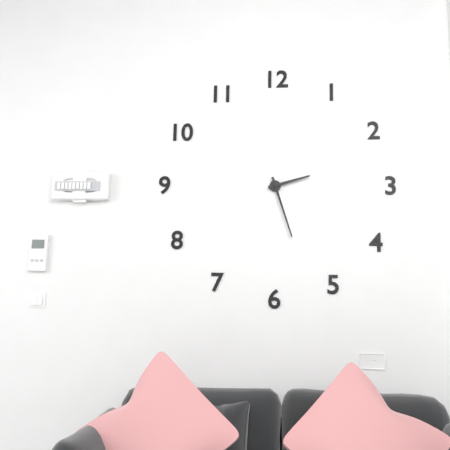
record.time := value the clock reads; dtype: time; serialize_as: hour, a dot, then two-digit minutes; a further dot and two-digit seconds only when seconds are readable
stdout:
2.27
